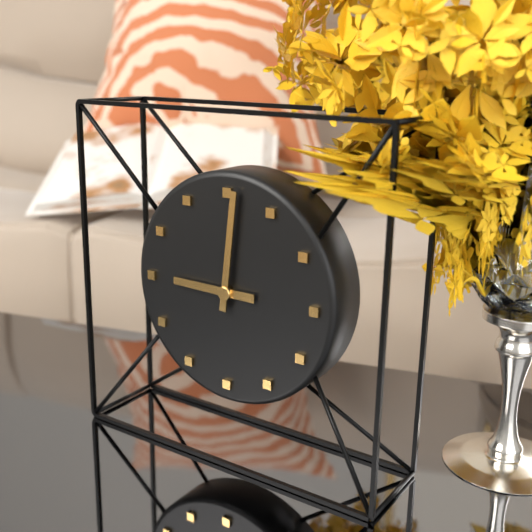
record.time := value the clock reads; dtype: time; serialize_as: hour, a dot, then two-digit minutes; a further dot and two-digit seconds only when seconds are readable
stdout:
9.01
